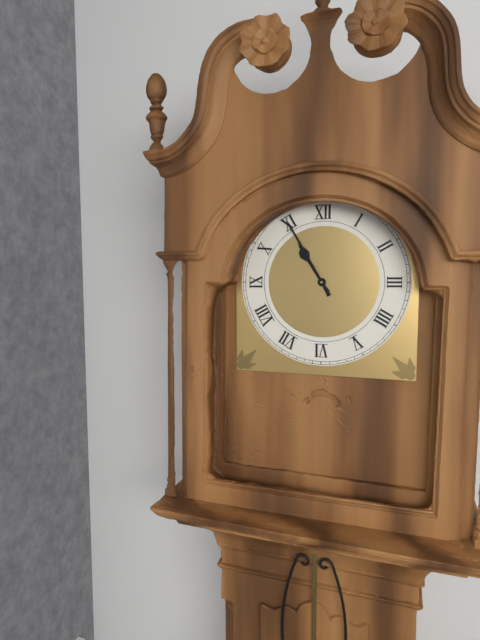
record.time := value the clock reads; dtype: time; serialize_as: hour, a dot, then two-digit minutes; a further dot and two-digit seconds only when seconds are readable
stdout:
10.55
